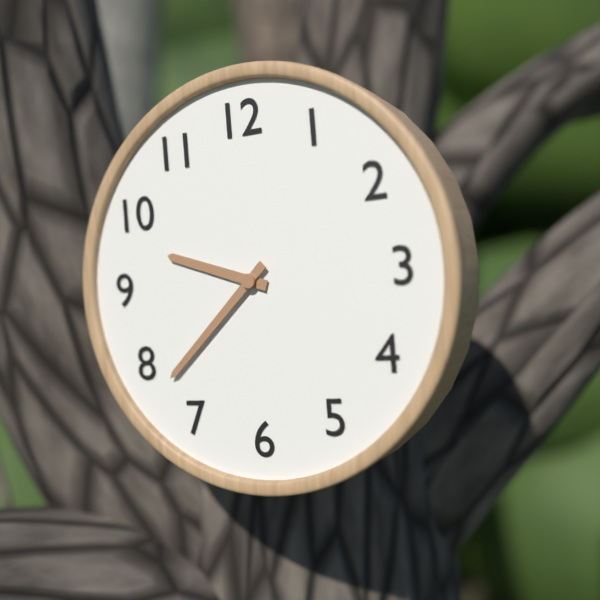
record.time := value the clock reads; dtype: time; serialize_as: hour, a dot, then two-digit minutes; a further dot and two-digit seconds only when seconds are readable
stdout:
9.38
